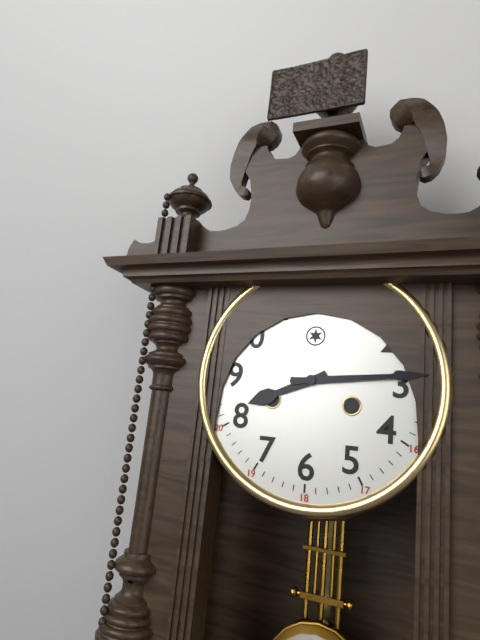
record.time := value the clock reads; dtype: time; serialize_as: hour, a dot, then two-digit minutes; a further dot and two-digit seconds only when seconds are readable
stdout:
8.14
